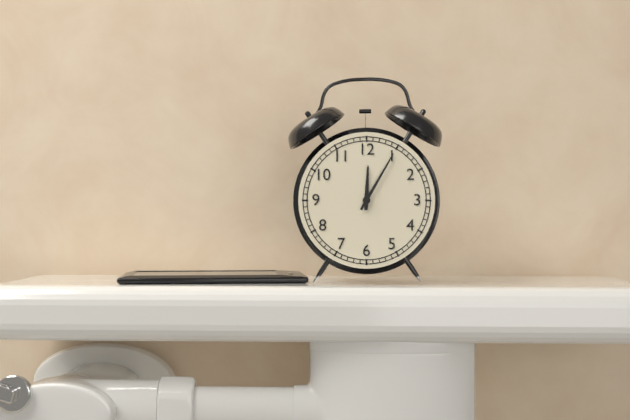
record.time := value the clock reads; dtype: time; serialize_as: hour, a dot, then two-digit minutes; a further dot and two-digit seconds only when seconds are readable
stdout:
12.05
